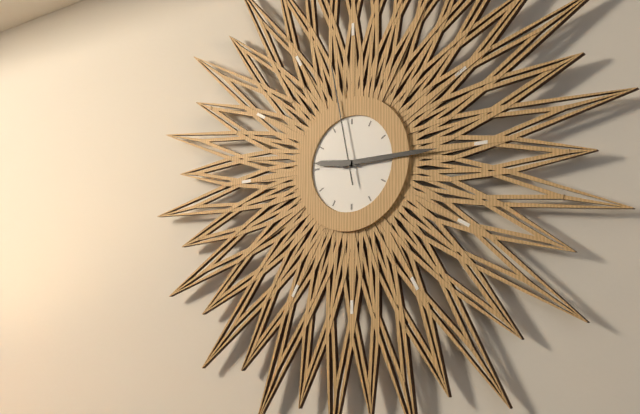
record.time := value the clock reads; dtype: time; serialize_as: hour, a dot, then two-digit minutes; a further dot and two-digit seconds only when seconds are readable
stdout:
9.15.58
